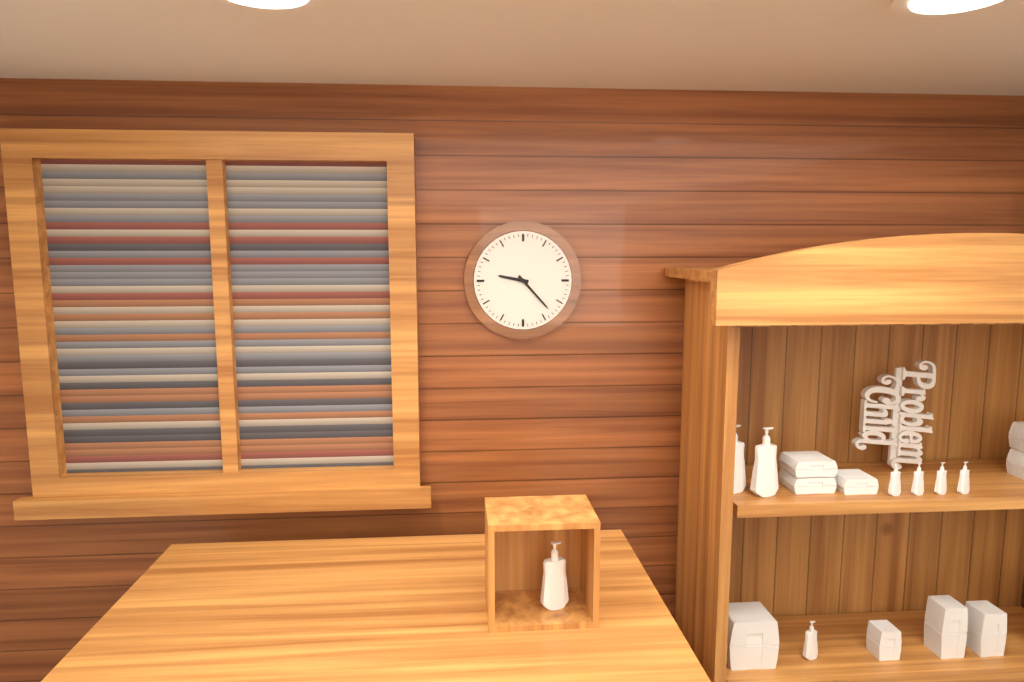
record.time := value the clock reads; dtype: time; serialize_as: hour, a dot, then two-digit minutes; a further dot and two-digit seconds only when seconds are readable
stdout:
9.23
